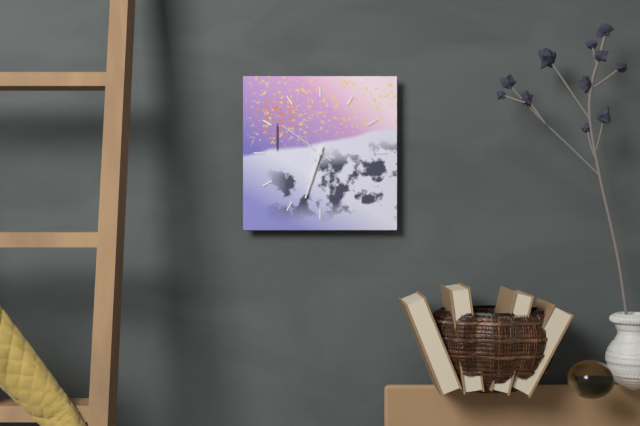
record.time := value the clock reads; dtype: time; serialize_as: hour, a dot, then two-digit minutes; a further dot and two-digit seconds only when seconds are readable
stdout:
6.33.51
